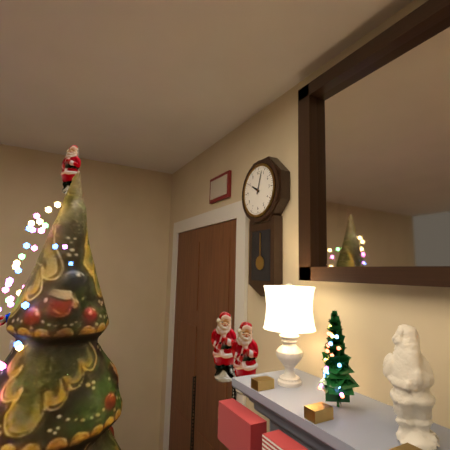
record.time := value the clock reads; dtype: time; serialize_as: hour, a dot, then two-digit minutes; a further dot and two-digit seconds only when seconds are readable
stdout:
10.03
